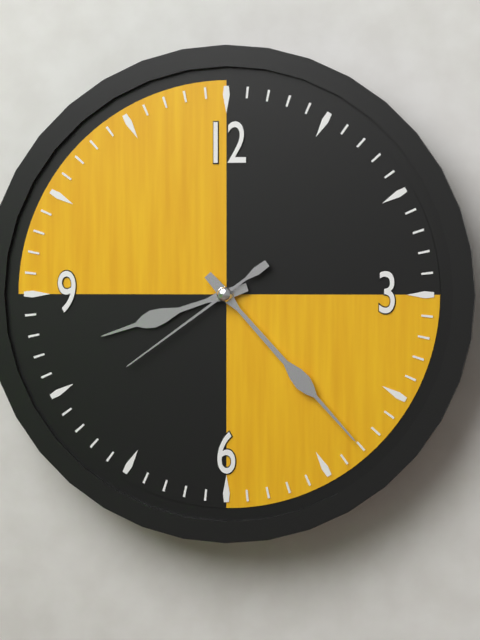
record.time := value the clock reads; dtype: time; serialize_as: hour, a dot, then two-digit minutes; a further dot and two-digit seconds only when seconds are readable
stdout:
8.23.39
